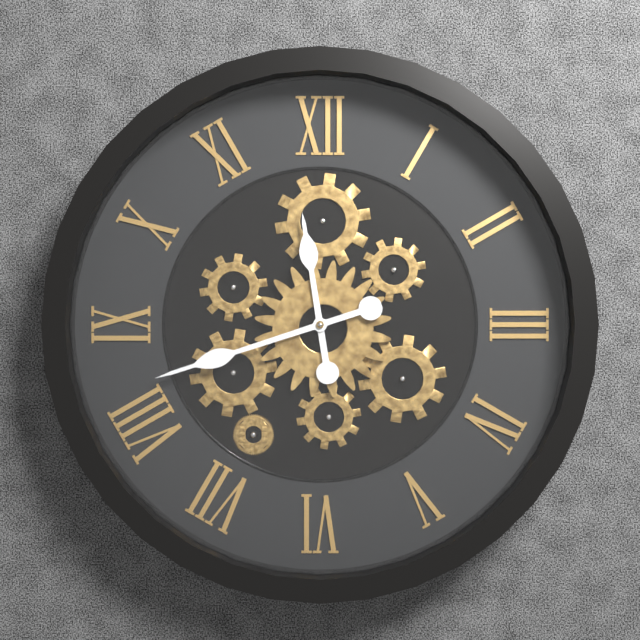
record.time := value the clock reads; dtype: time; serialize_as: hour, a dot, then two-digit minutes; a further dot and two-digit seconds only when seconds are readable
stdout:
11.42
